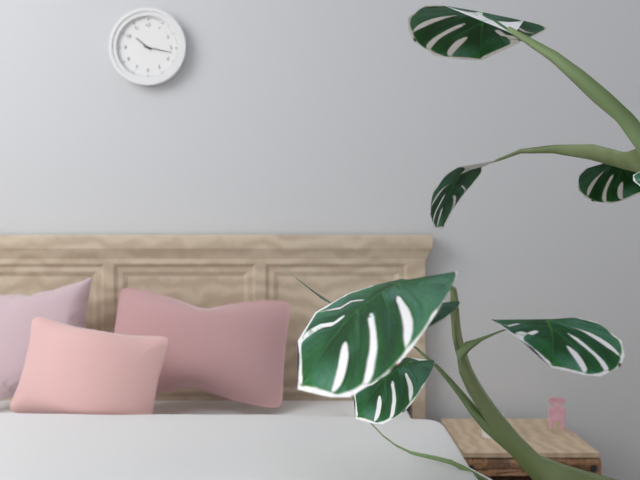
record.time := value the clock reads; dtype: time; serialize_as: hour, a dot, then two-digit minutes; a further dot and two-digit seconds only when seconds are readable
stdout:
10.17
